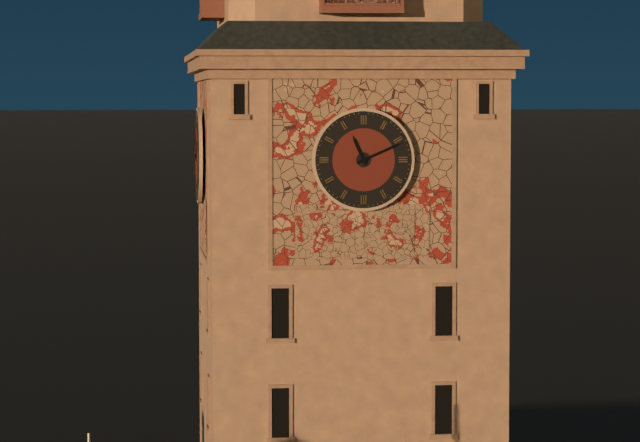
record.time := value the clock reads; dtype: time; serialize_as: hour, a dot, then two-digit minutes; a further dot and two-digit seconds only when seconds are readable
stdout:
11.11
